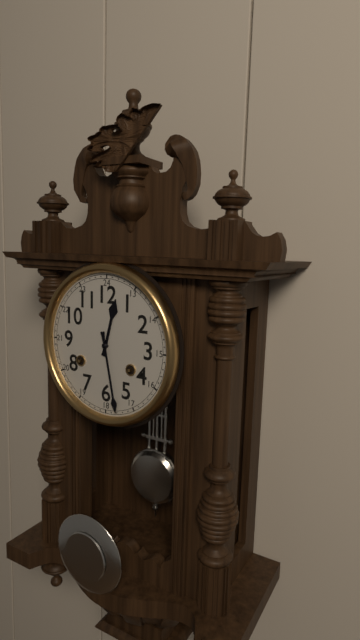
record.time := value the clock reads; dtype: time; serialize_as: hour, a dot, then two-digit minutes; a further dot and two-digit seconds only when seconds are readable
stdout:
12.28
